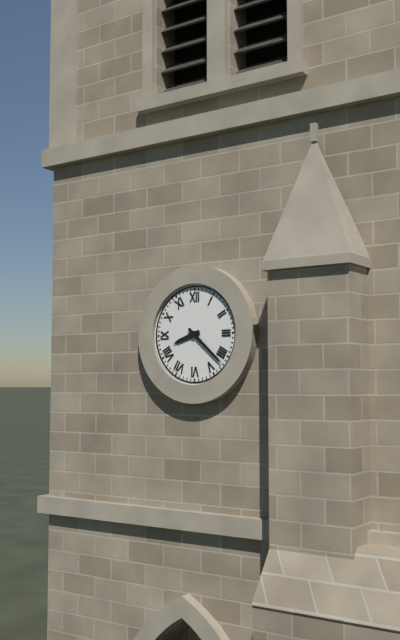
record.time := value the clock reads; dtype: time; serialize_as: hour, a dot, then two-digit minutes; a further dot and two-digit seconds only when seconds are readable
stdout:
8.22
